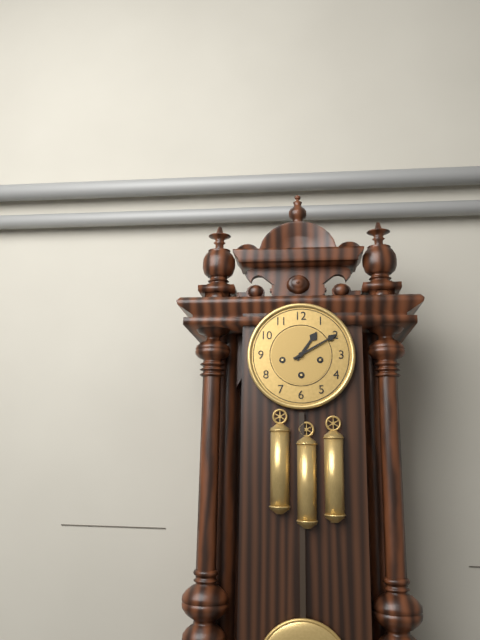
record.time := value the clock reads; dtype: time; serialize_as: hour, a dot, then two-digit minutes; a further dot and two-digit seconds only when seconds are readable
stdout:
1.10
